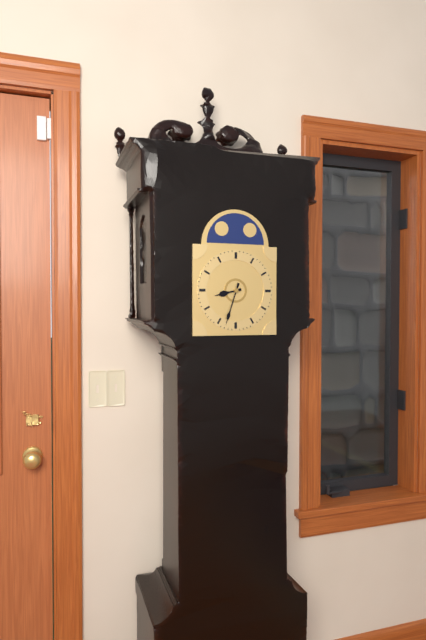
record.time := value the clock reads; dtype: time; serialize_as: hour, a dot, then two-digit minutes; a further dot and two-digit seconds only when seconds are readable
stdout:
8.33
